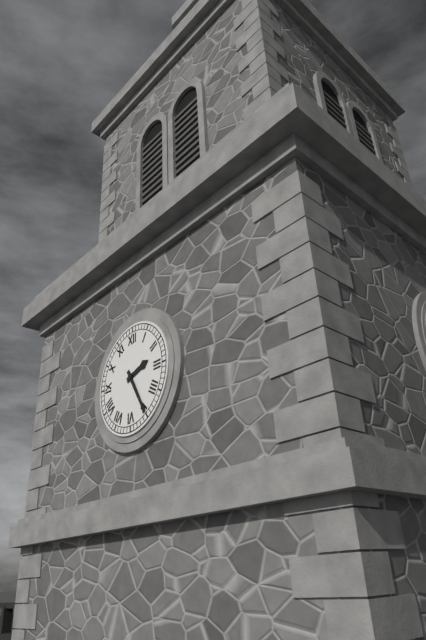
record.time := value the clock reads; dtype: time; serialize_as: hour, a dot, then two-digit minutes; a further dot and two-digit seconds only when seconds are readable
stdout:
2.25
